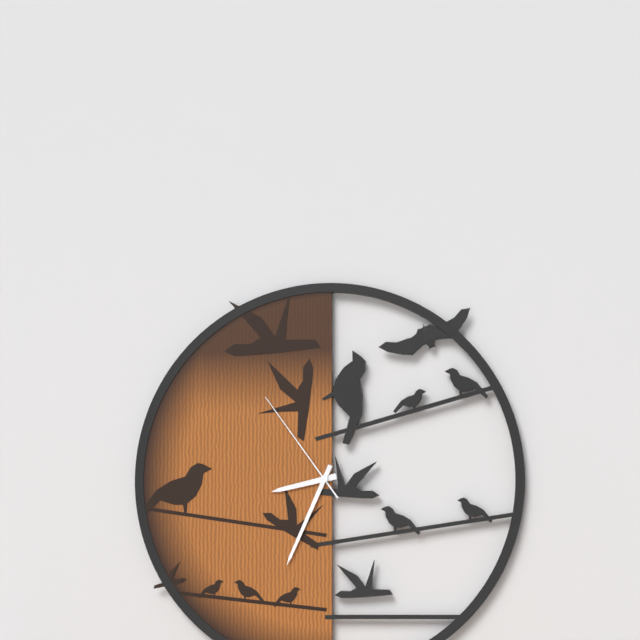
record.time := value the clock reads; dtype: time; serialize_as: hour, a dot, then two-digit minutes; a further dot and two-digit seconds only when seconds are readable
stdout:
8.34.54
